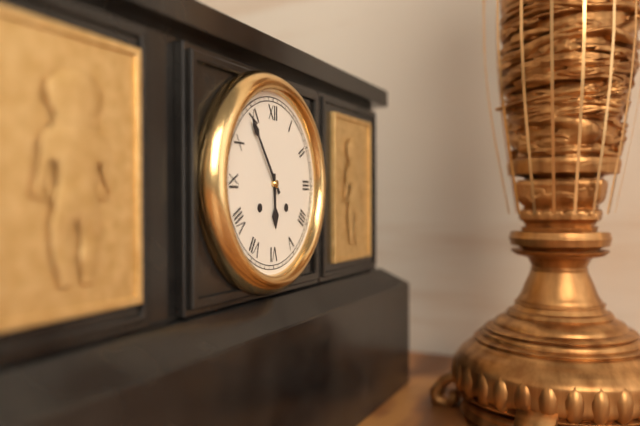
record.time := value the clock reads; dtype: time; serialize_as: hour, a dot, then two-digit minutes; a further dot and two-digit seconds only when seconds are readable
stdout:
5.54
